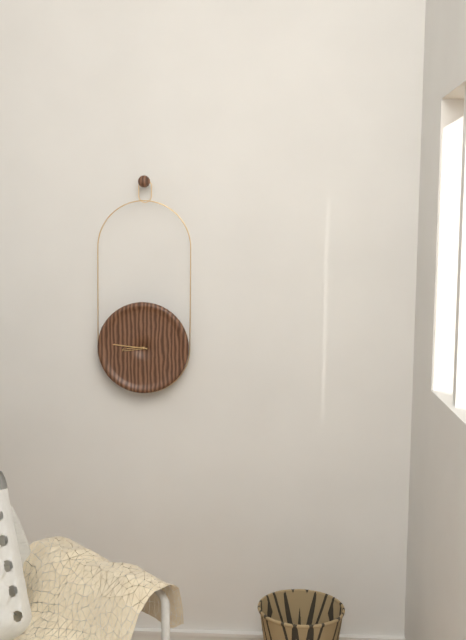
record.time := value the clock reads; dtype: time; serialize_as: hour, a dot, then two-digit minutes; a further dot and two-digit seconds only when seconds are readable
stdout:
8.46
